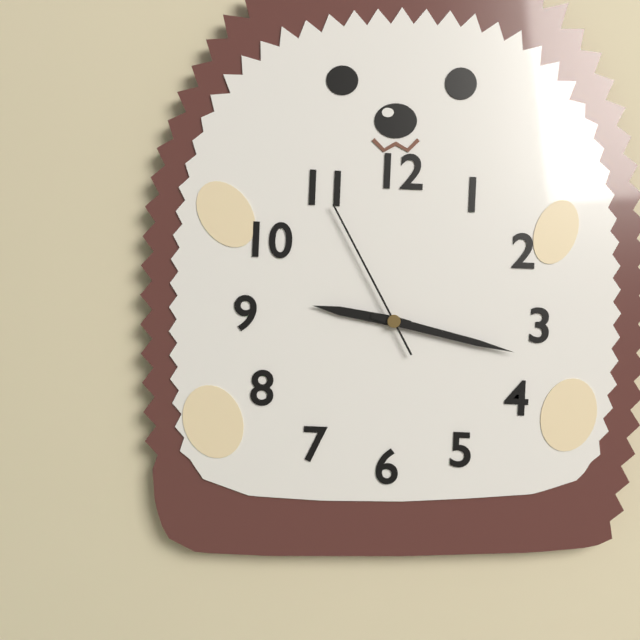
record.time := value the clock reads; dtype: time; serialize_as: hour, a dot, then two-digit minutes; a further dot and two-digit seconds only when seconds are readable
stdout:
9.17.55
